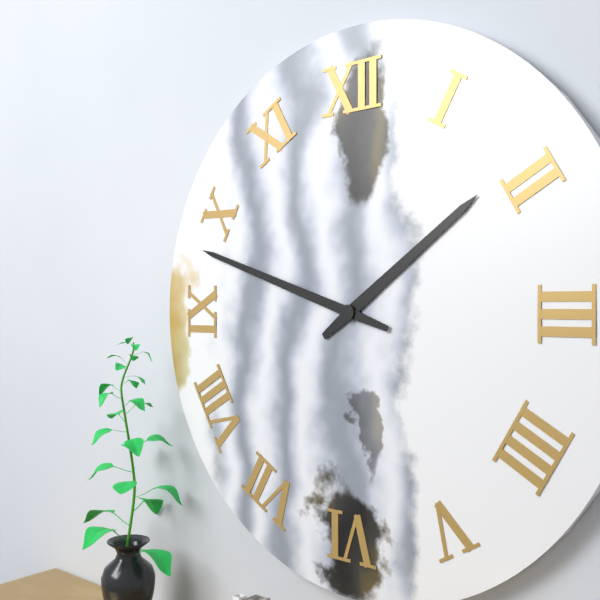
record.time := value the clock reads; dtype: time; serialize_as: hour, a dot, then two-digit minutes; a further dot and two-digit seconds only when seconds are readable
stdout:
1.48
